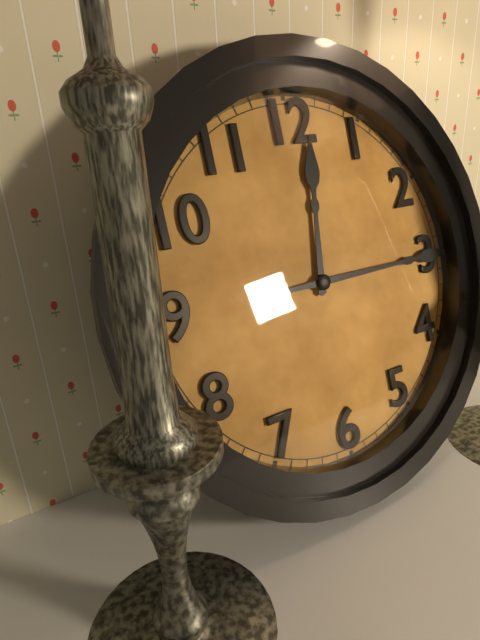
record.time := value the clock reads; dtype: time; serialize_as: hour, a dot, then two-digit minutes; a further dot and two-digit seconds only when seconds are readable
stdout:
12.15
